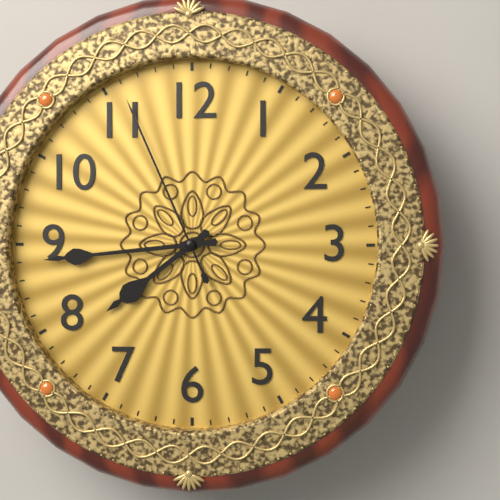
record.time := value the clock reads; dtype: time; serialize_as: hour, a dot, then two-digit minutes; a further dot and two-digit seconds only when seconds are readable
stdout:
7.44.56
